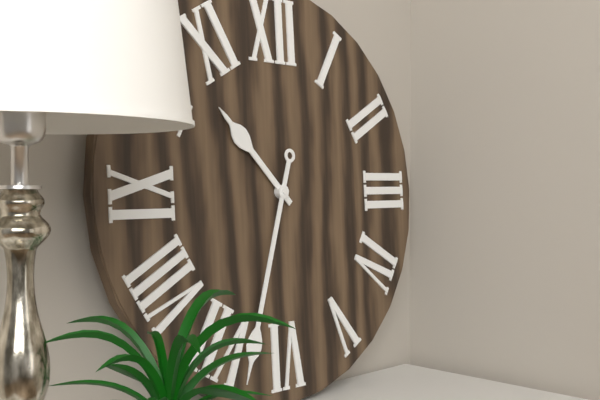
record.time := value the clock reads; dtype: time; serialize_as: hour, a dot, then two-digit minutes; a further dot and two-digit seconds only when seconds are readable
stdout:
10.33
